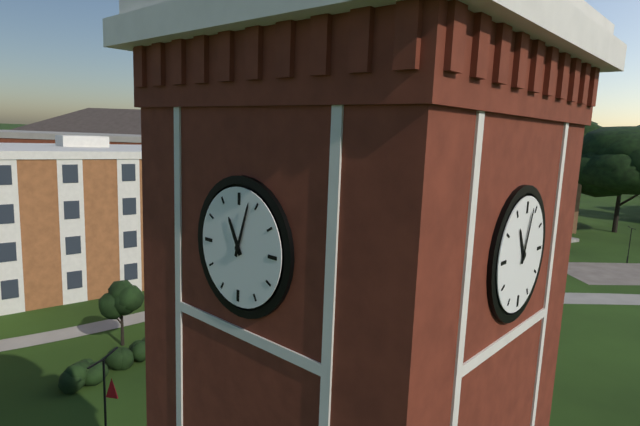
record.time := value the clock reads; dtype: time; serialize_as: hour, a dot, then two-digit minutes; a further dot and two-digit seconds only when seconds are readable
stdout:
11.03
